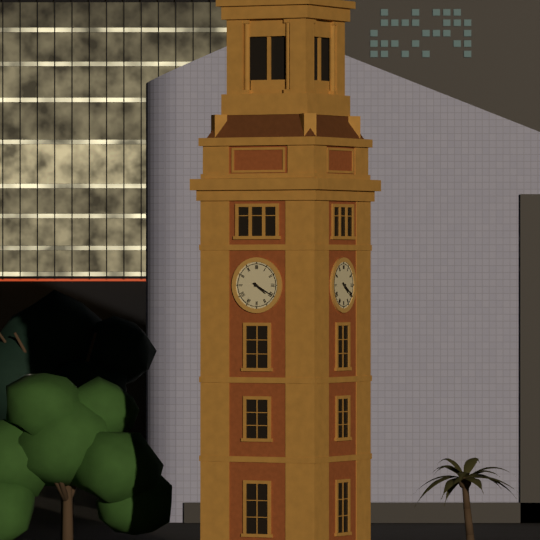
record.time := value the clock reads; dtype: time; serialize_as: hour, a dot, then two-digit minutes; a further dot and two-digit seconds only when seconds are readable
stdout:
4.20
